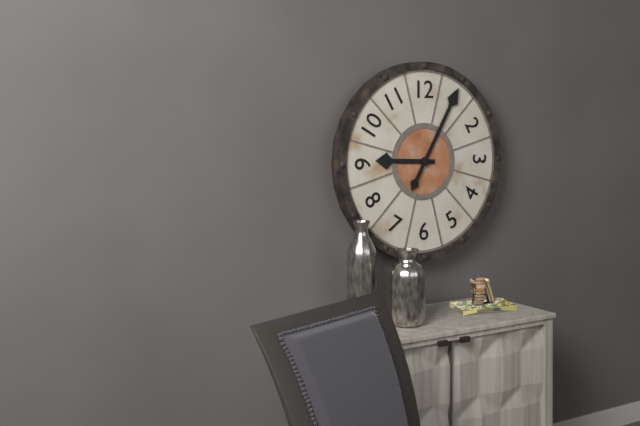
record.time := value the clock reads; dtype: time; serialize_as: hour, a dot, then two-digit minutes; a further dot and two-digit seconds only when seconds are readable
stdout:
9.05
